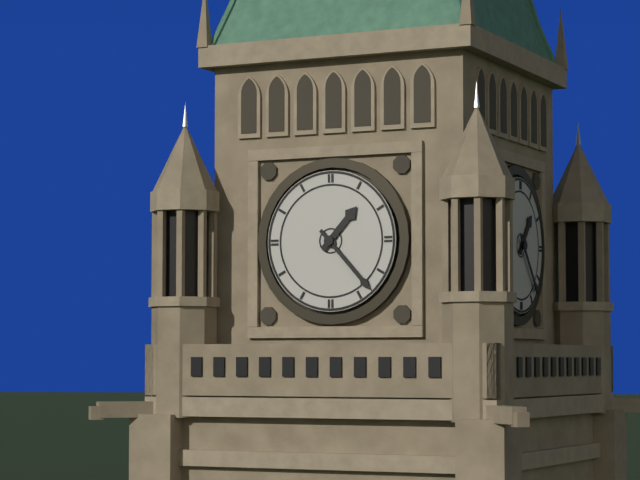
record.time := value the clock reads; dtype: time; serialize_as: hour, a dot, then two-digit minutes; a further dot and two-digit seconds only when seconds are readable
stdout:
1.23
